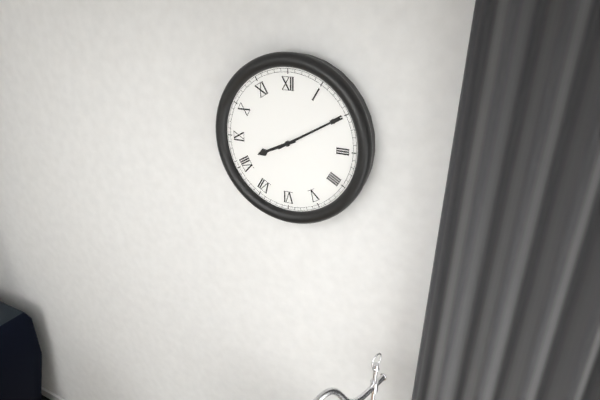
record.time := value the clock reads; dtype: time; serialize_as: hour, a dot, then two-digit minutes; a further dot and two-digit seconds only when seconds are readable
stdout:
8.10
